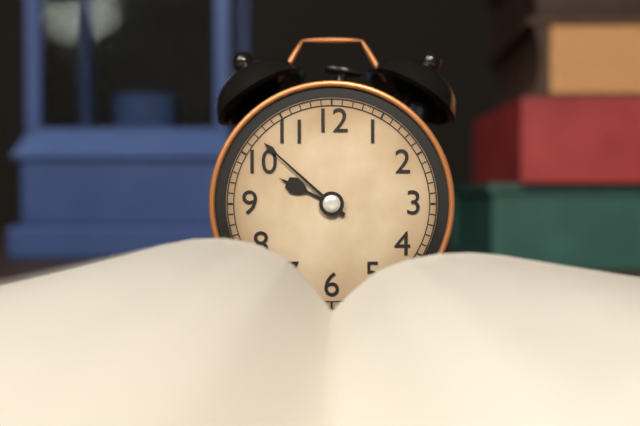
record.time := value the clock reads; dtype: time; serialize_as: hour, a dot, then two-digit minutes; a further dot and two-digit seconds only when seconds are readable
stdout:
9.52
